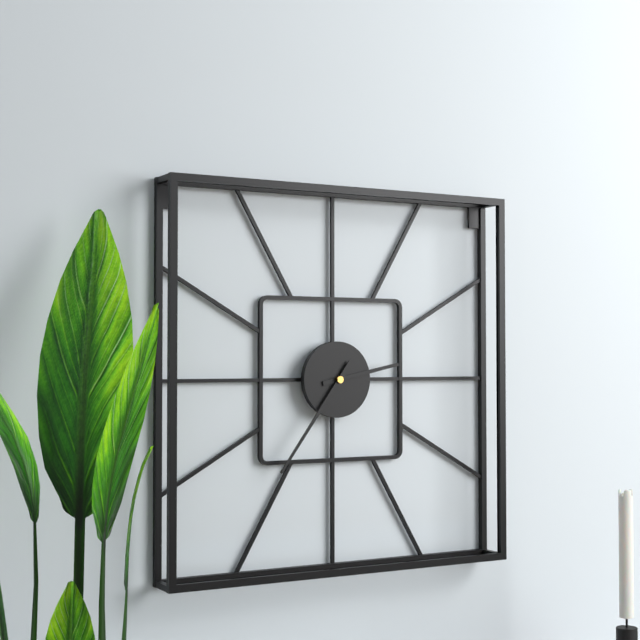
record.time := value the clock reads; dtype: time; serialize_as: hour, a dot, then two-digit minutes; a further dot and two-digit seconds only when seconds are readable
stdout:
2.36
